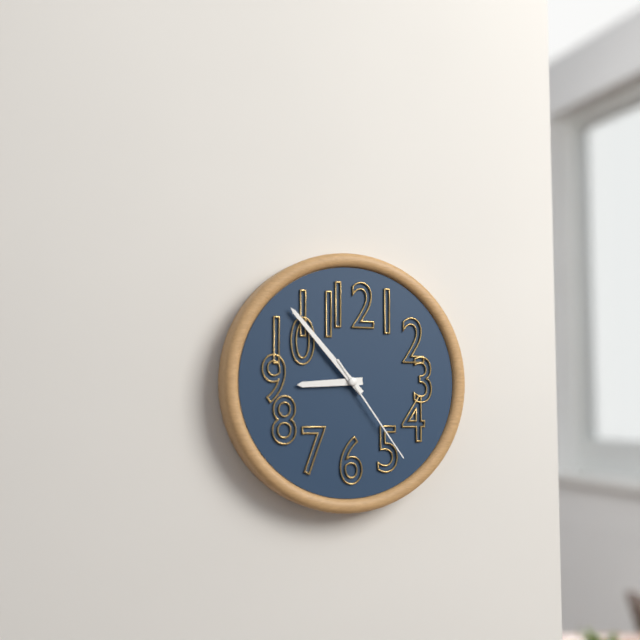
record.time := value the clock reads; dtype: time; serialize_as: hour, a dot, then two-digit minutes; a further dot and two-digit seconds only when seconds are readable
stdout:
8.53.24
